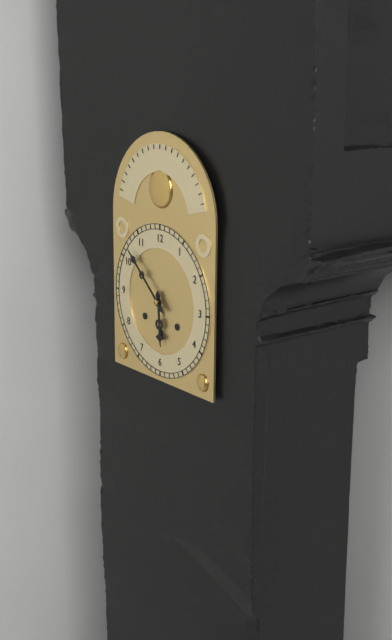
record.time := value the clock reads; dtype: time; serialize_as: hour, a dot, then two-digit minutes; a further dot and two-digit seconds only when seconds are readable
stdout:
5.52
